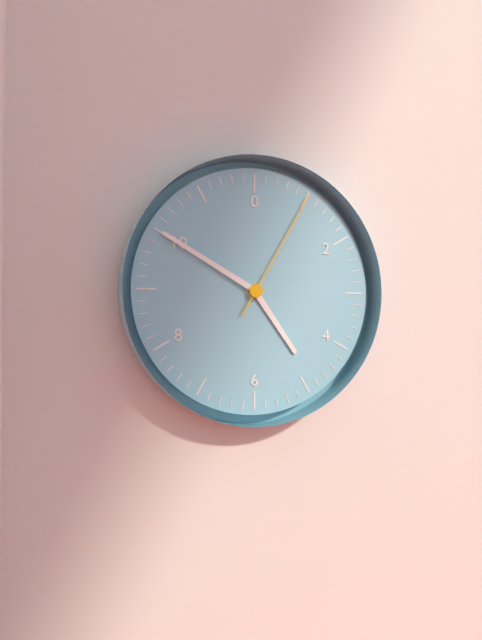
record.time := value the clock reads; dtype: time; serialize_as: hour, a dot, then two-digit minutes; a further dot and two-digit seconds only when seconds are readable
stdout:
4.50.05
